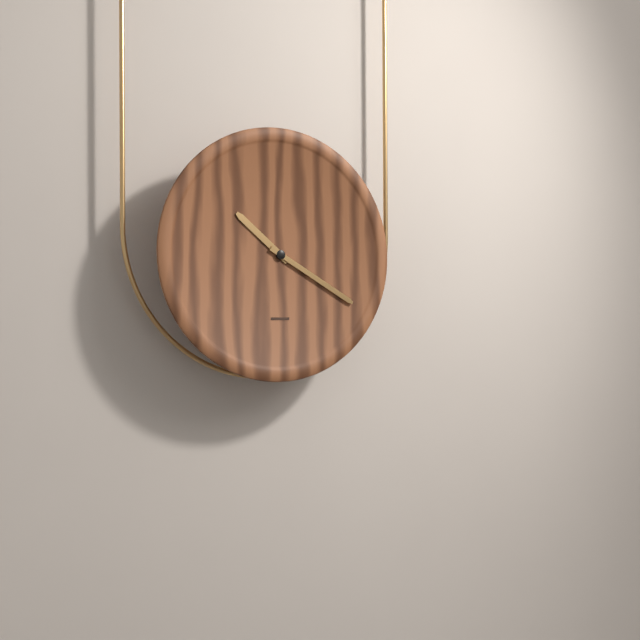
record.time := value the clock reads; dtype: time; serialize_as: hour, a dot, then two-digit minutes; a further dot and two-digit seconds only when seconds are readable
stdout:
10.20
